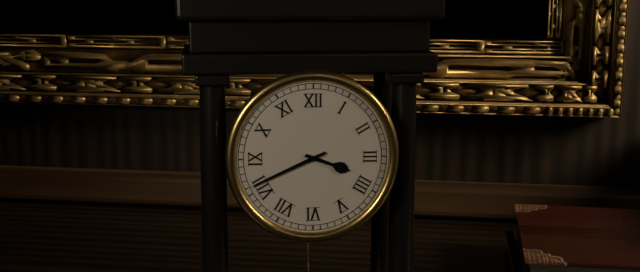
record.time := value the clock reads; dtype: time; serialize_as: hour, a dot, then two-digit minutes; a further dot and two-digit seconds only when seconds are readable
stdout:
3.41
